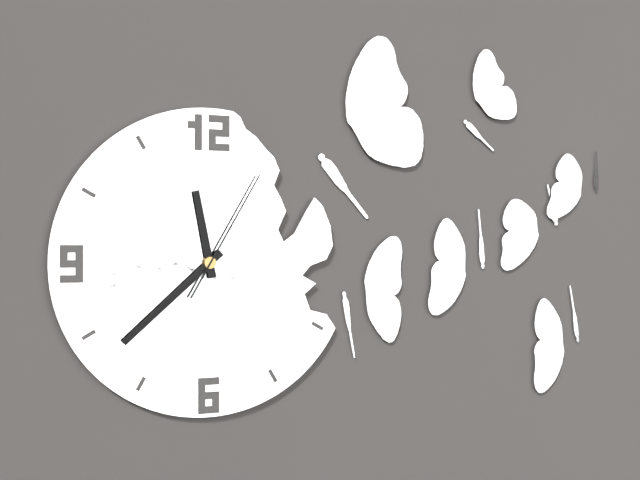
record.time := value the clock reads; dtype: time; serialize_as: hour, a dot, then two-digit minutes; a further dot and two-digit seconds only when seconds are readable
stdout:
11.38.05
